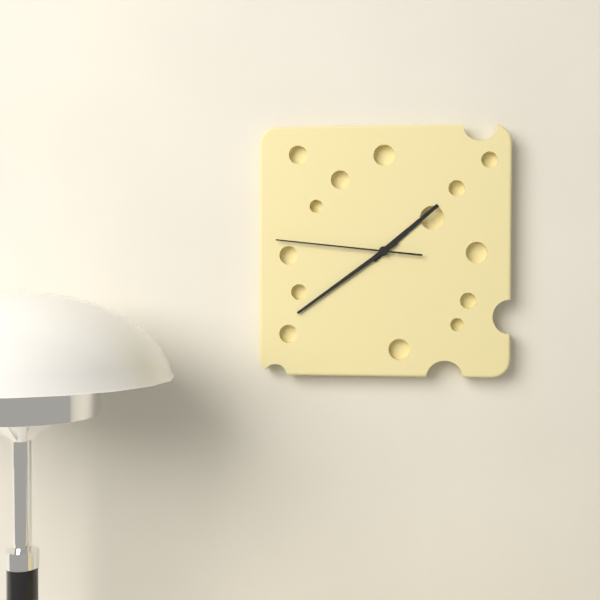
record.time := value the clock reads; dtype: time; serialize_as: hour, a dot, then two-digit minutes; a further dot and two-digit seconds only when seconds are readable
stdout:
1.39.46
